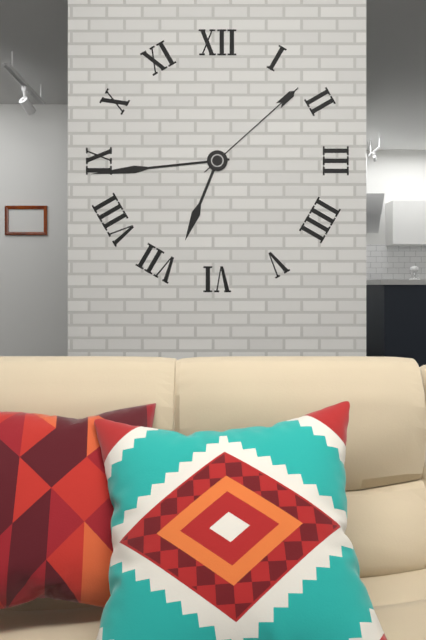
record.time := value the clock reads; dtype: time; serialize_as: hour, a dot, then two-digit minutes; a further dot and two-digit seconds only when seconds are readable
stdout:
6.44.08
